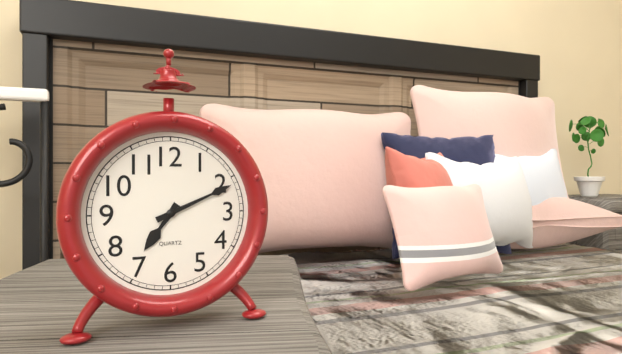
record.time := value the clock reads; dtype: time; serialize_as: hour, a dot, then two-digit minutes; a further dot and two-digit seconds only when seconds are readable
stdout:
7.11
